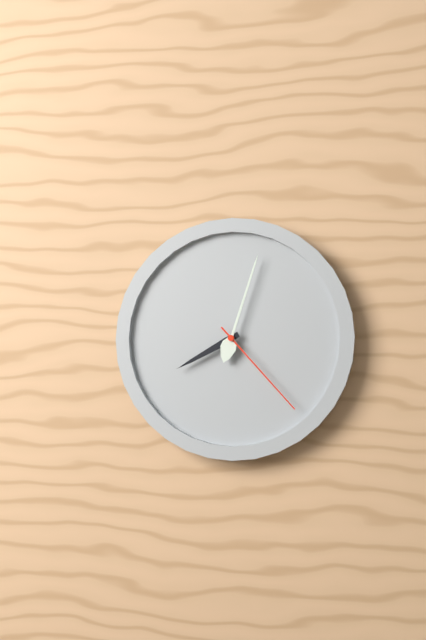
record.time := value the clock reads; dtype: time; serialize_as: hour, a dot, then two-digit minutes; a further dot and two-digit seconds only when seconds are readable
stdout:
8.03.23
